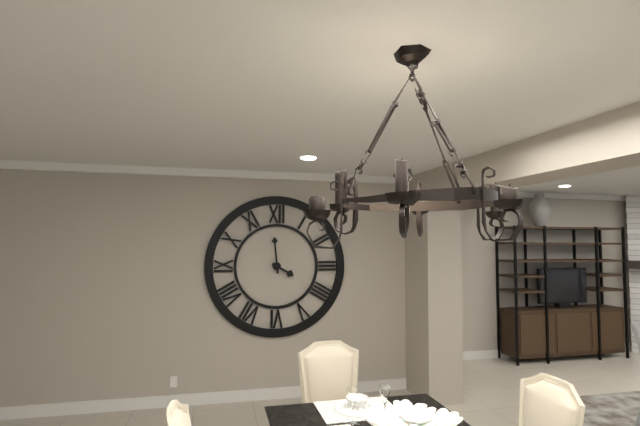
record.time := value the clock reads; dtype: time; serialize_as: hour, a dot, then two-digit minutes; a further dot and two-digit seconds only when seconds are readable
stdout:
3.59
